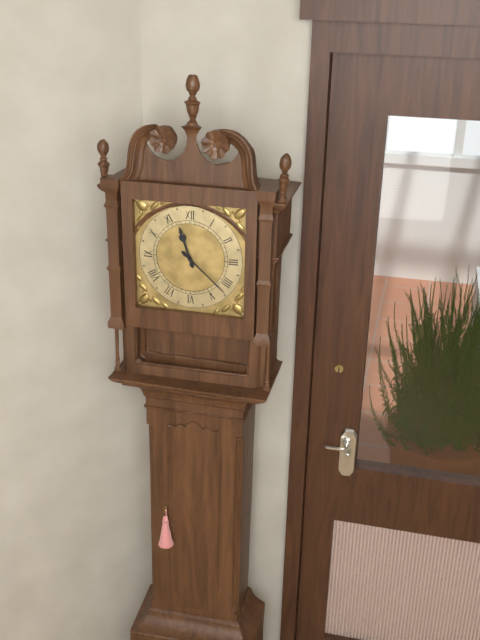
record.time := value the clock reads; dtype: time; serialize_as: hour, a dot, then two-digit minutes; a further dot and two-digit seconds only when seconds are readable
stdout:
11.22
